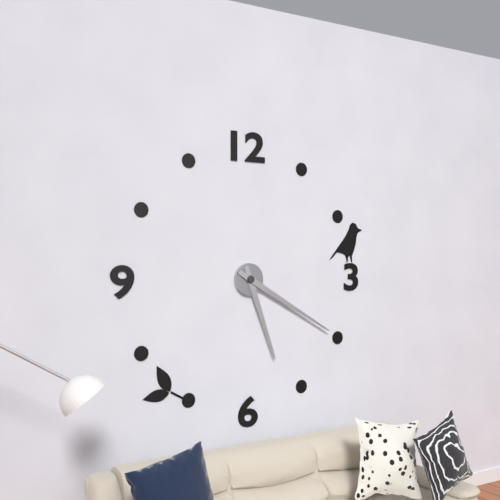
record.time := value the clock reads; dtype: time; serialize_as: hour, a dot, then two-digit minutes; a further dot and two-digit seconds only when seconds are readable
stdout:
5.20
